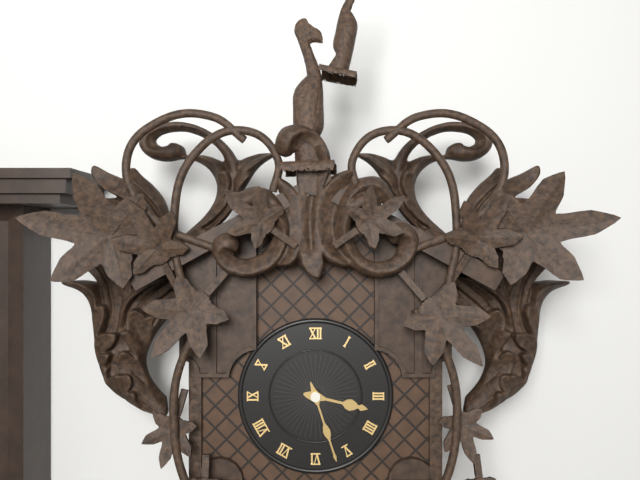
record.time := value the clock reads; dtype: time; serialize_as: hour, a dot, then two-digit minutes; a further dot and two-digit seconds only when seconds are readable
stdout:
3.27
